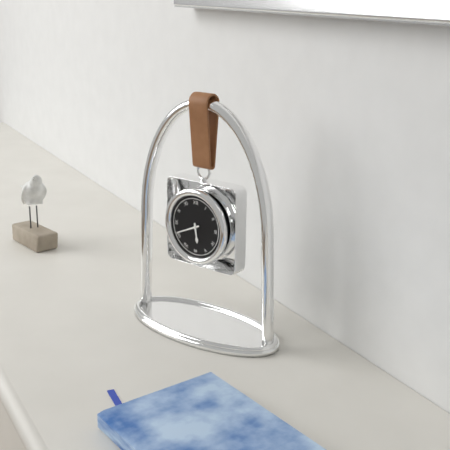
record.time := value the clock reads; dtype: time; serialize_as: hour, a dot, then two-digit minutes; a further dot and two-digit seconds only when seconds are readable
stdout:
5.41
